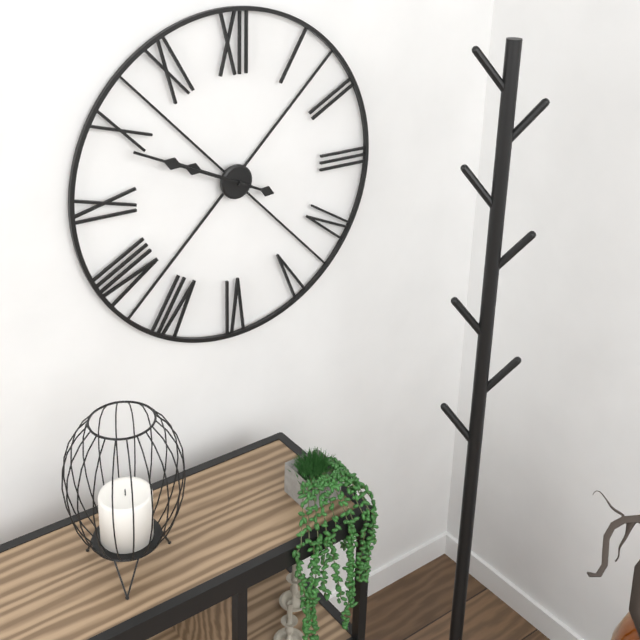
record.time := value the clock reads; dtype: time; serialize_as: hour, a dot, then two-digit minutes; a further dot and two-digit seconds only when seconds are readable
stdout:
9.49
